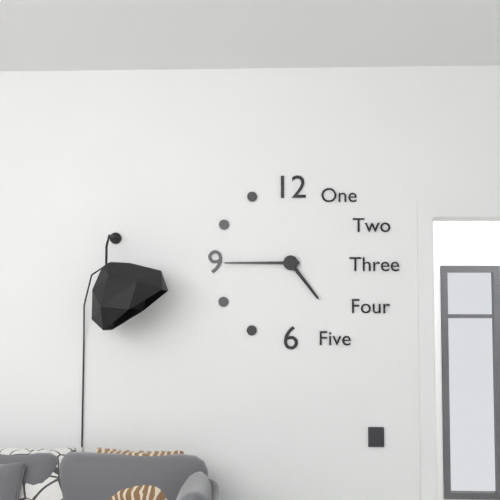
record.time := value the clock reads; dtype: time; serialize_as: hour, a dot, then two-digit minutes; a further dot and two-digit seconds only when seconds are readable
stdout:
4.45
